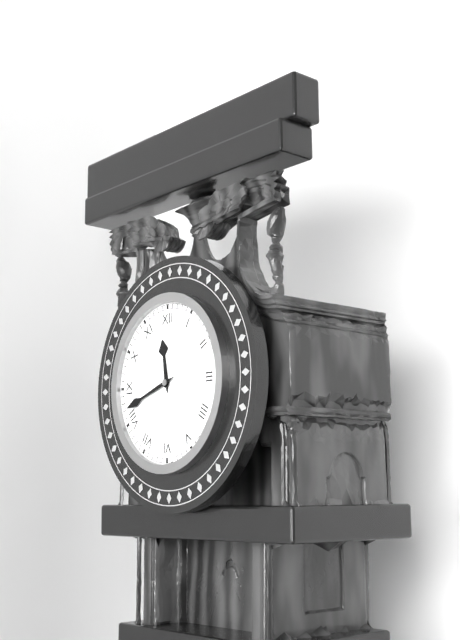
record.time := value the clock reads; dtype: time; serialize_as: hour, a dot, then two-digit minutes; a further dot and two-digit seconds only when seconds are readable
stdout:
11.42
